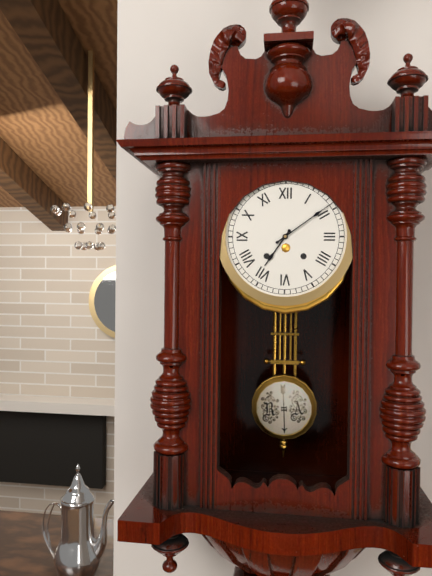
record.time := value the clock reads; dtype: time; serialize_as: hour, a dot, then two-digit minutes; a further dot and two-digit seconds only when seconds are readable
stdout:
7.09
